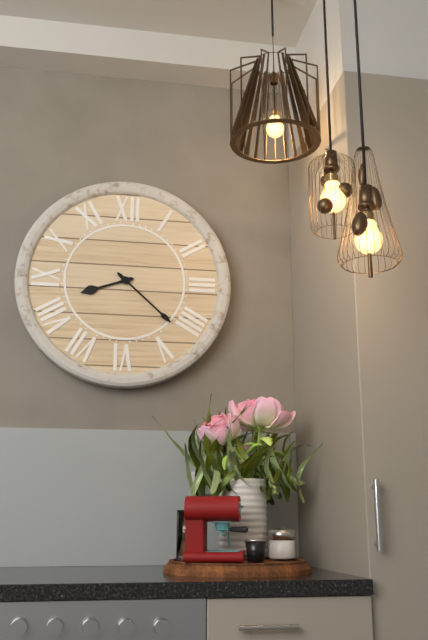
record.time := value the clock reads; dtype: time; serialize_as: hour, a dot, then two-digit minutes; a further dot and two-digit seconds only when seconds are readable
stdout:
8.22
